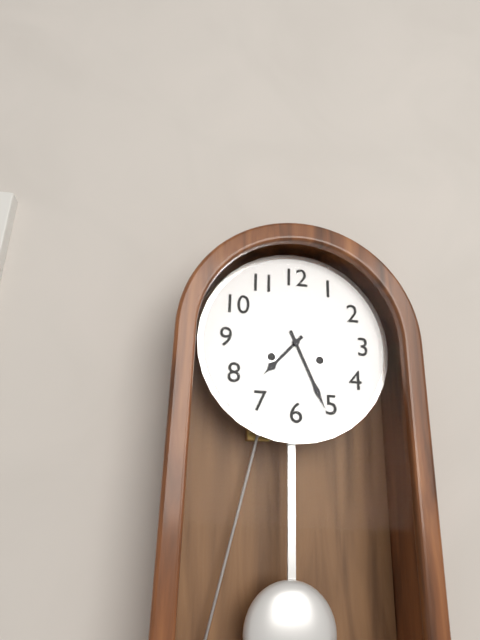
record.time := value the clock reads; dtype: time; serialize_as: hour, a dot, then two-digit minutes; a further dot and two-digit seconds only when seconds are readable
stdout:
7.26
